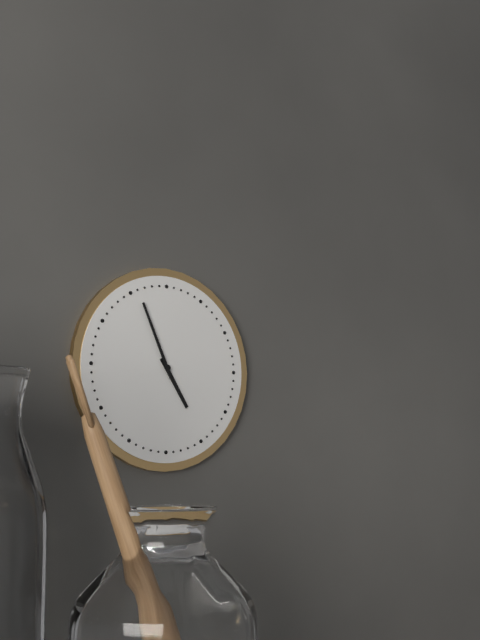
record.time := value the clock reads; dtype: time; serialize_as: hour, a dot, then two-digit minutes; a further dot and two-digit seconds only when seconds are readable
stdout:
4.56
